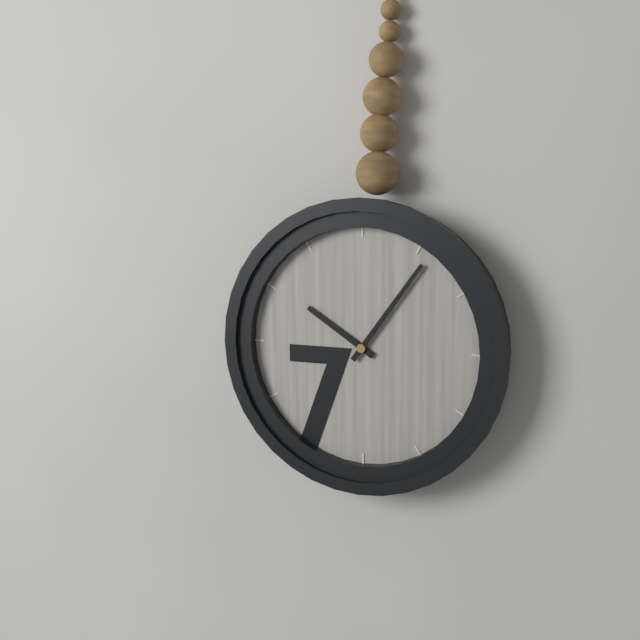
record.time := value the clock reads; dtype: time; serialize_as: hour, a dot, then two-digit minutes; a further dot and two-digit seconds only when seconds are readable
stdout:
10.06
